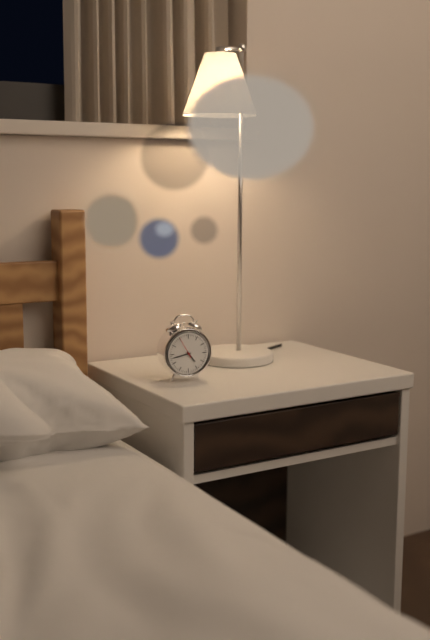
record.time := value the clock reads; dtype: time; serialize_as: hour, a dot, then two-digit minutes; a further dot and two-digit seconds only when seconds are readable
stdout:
4.43
